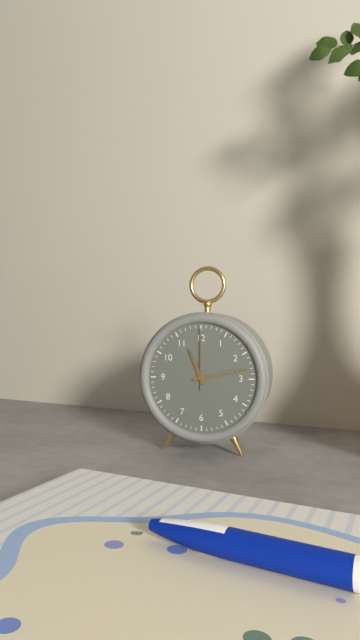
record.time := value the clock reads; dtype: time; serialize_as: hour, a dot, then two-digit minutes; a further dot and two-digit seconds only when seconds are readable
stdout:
11.13.00
